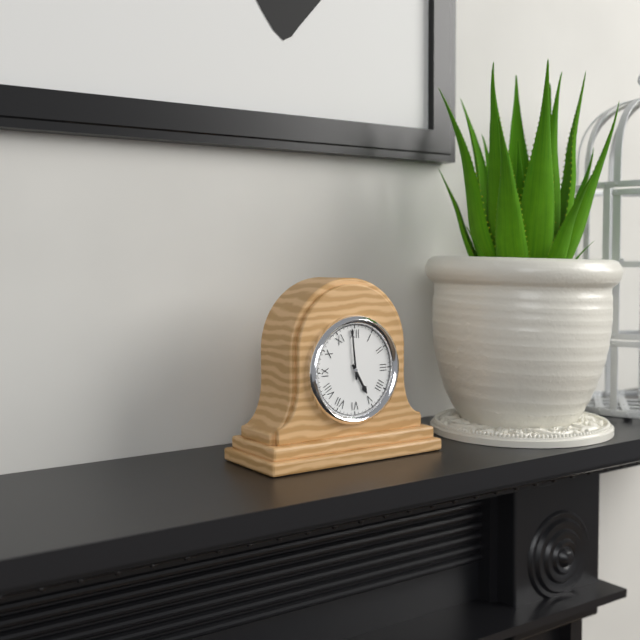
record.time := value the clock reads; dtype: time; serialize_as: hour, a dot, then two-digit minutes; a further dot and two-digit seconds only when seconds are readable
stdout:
4.59
